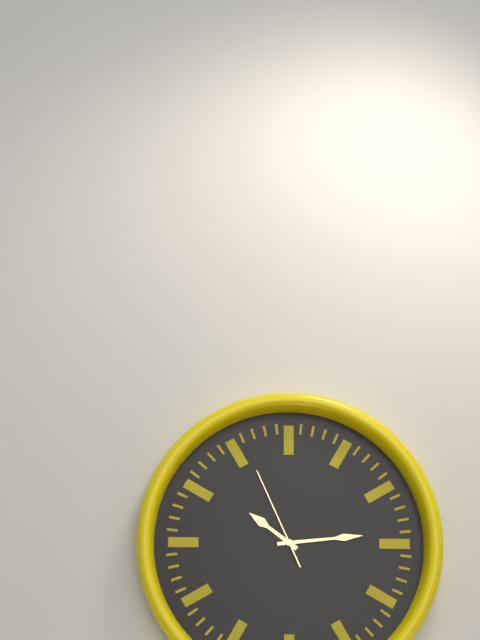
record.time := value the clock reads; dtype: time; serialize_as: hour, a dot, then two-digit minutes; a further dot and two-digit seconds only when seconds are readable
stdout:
10.14.56
